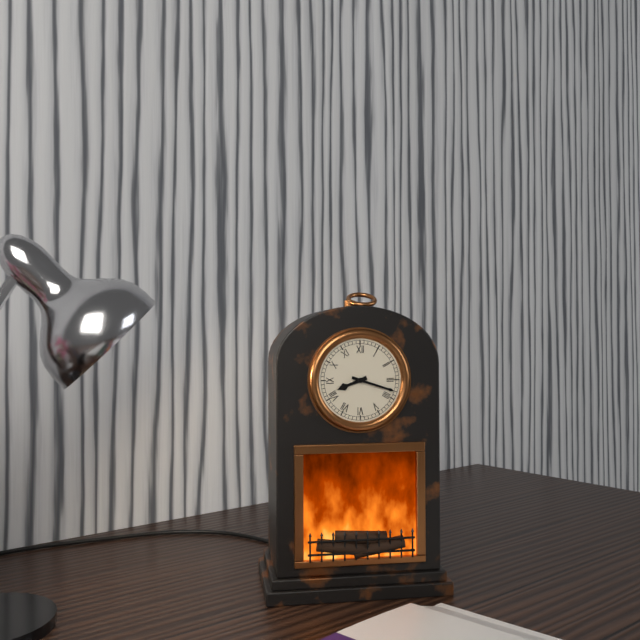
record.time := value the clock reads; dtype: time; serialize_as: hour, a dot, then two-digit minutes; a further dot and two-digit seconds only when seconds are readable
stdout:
8.18
